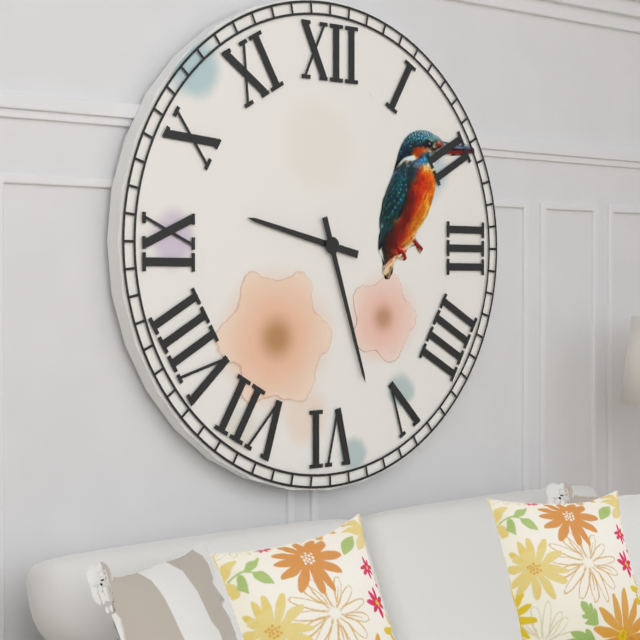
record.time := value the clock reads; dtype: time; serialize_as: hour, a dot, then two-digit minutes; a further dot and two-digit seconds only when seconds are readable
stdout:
9.27
